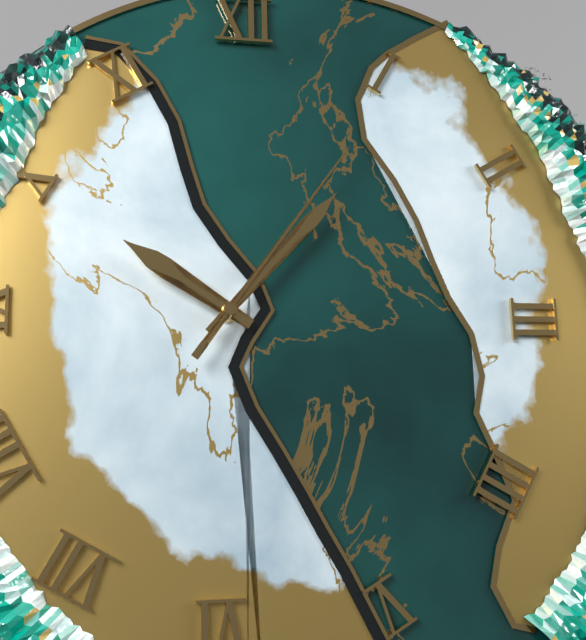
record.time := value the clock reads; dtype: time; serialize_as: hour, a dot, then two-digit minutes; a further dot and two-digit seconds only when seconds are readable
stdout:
10.07.06
